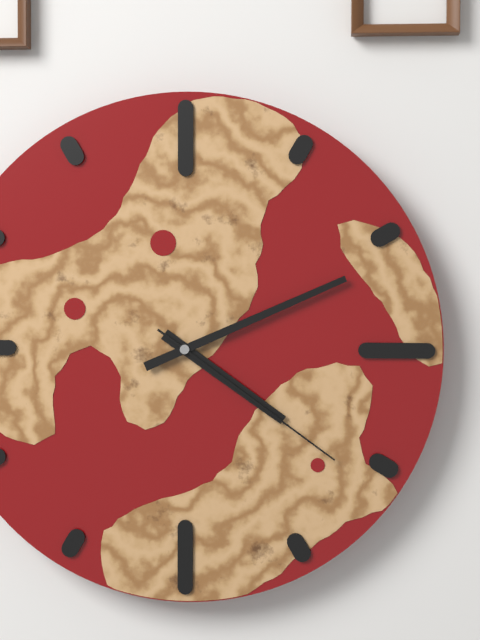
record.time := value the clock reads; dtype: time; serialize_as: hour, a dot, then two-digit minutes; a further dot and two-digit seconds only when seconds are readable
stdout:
4.11.21
